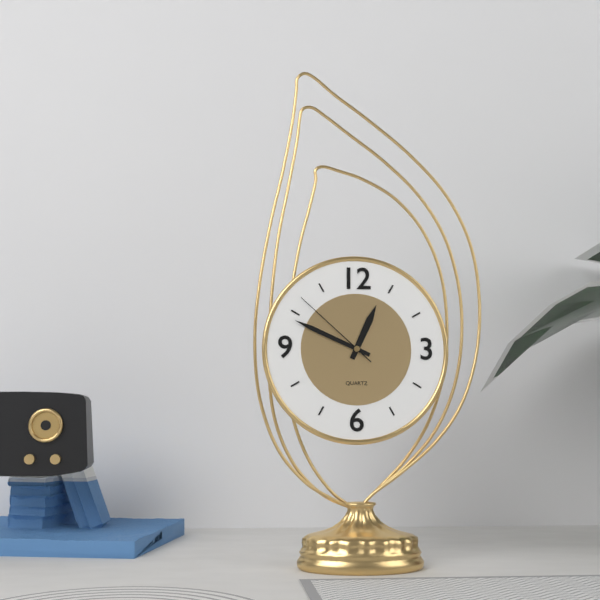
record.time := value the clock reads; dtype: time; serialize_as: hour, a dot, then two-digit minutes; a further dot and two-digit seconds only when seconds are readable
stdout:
12.49.52
